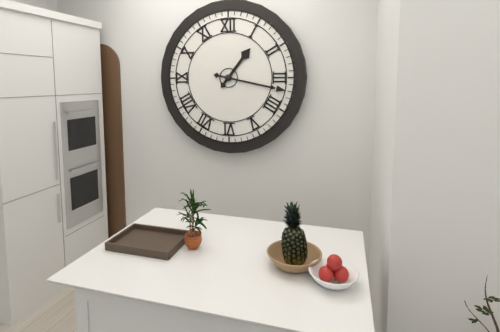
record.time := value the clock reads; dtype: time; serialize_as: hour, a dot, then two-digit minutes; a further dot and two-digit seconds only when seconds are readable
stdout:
1.17
